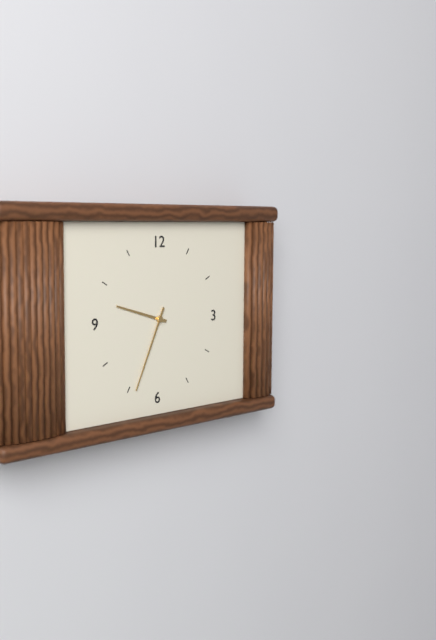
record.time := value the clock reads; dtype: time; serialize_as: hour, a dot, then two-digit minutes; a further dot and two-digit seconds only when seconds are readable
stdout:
9.34
